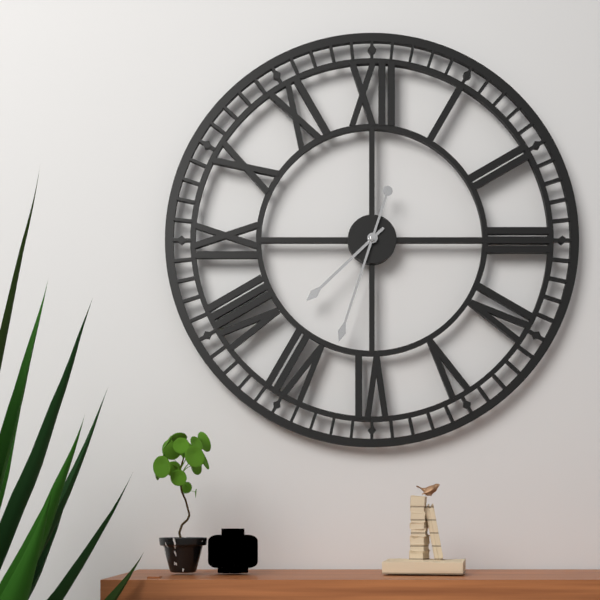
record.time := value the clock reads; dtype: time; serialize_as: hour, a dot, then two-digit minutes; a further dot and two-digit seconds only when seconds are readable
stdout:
7.33
